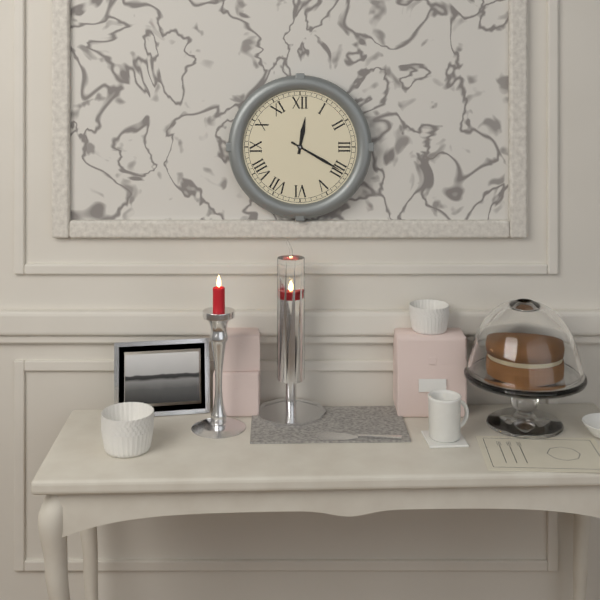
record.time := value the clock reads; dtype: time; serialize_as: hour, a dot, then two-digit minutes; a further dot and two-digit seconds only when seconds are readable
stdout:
12.20
